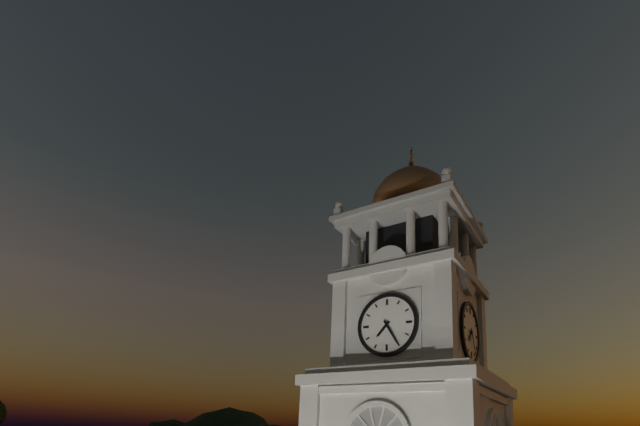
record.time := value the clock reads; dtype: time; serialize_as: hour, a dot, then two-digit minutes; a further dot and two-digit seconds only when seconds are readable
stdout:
7.25
